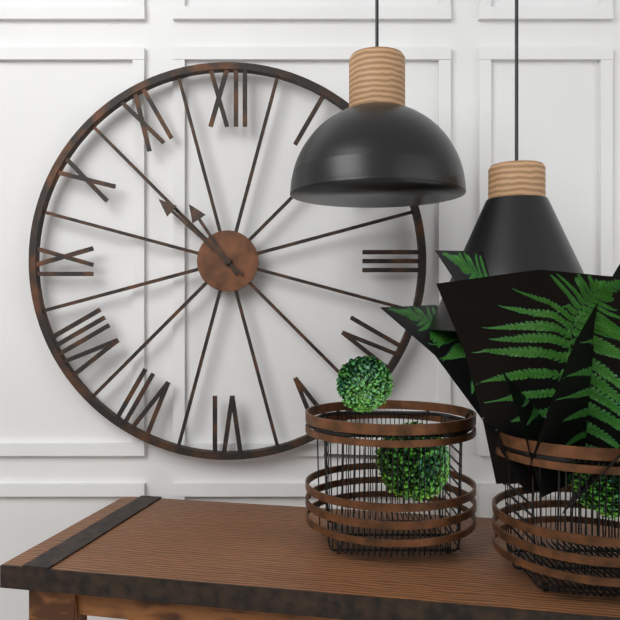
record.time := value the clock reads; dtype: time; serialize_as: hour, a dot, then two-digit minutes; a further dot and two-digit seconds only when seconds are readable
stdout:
10.52
